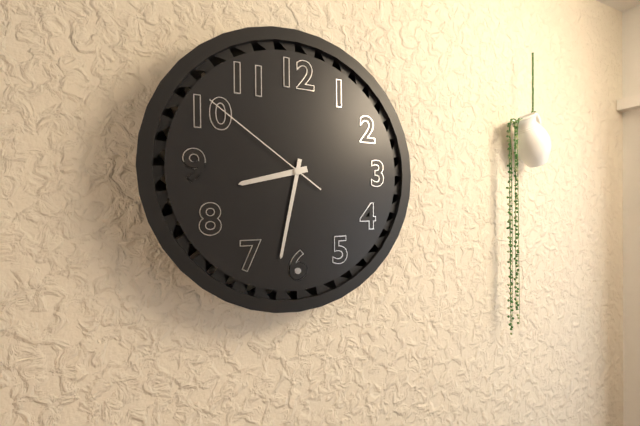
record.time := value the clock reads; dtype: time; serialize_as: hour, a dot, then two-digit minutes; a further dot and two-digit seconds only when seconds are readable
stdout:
8.32.51
